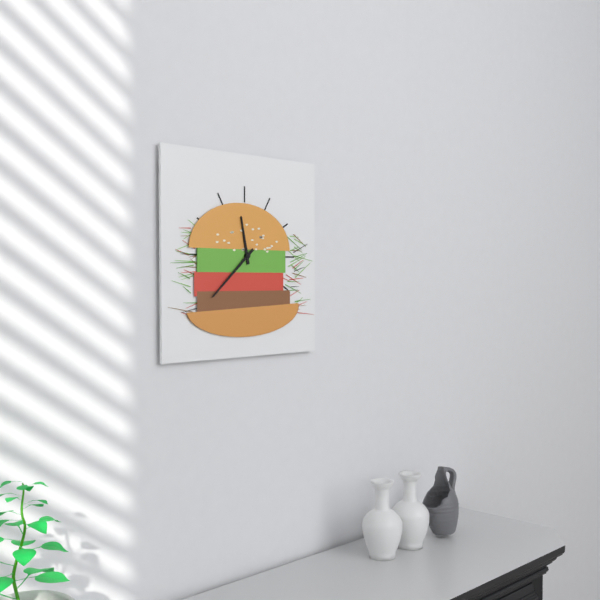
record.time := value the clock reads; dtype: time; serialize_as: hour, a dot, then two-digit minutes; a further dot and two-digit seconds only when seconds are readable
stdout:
11.38
